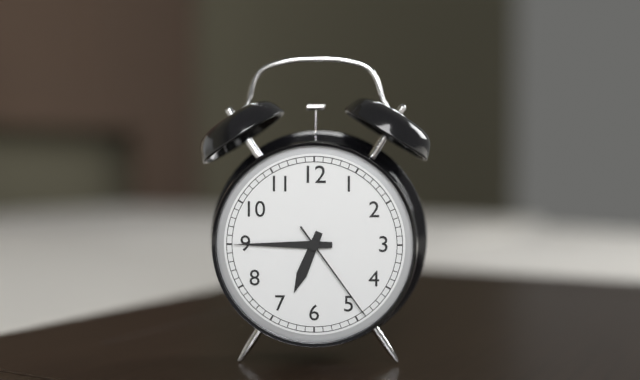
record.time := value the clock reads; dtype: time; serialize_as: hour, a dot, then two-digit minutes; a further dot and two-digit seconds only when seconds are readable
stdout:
6.45.24
